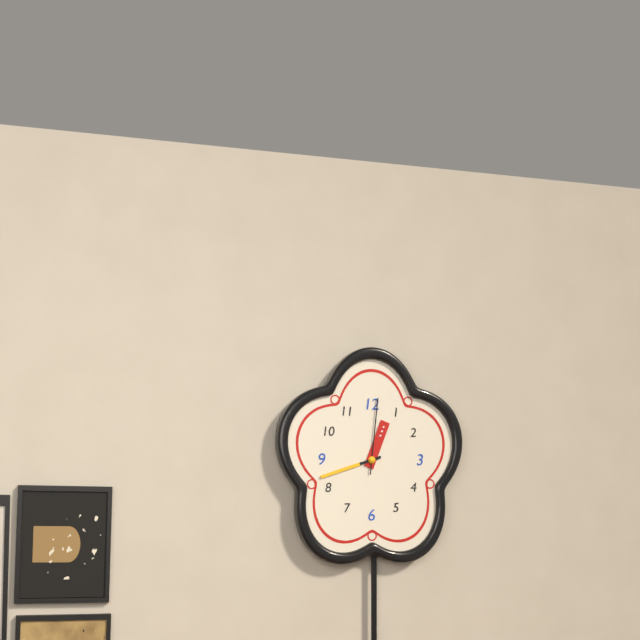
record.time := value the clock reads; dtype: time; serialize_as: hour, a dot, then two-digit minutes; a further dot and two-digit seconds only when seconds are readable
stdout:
12.42.01
